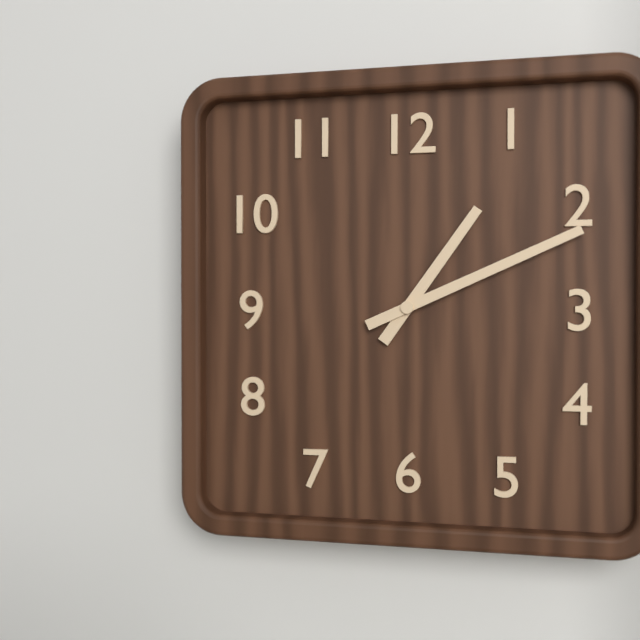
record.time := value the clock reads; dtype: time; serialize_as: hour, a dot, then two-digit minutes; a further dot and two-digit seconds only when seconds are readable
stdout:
1.11
